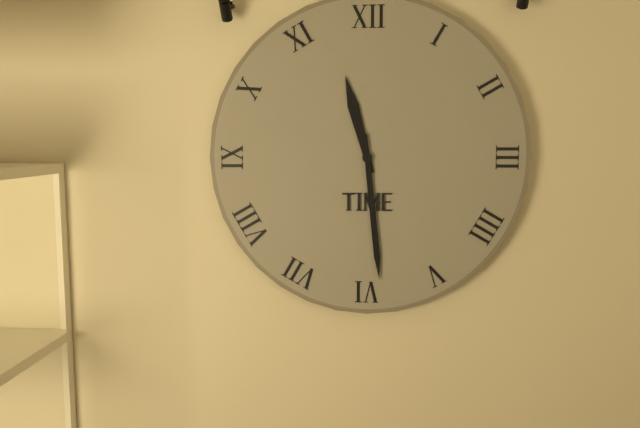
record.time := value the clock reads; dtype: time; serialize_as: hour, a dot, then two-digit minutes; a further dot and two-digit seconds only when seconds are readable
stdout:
11.29
